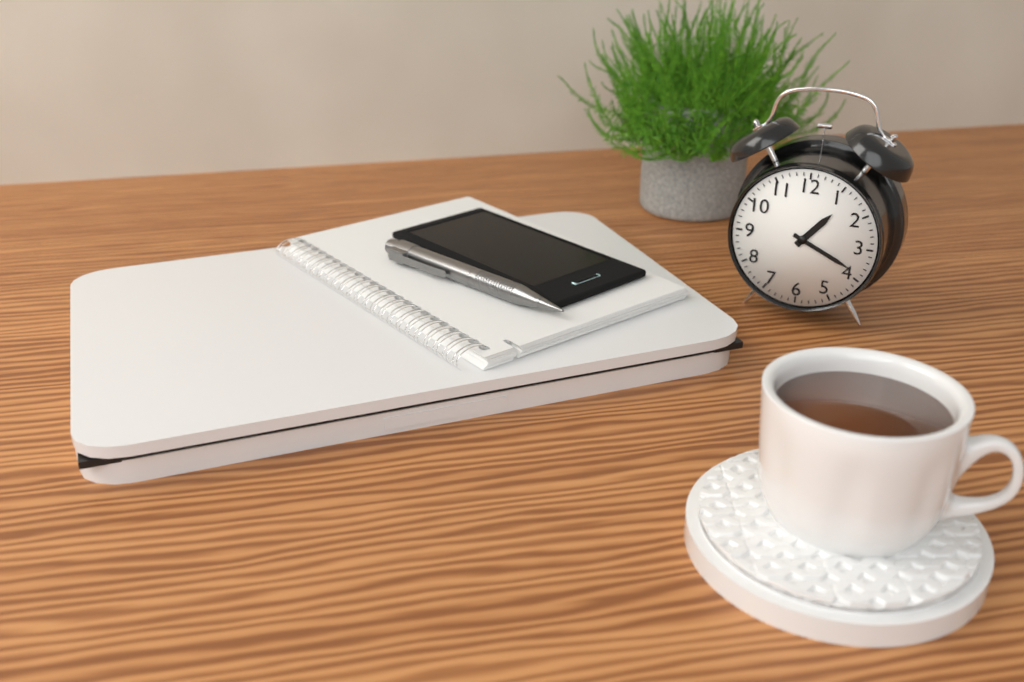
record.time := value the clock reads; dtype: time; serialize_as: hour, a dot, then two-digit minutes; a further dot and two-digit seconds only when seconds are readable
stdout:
1.19
